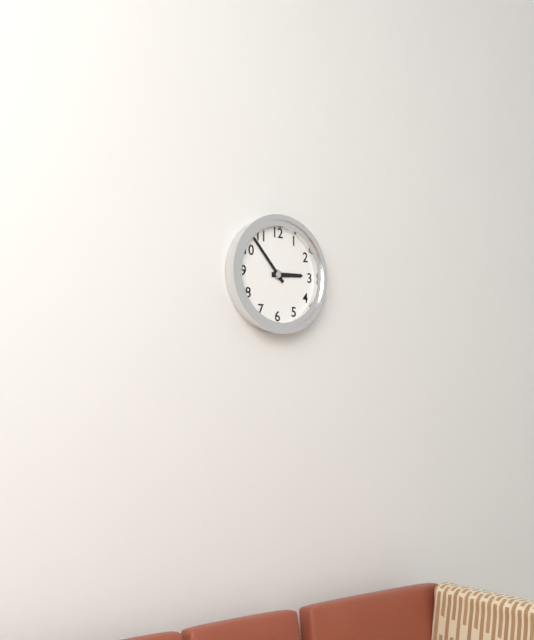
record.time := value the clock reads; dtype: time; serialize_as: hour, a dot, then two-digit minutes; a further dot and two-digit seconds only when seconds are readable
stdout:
2.53
